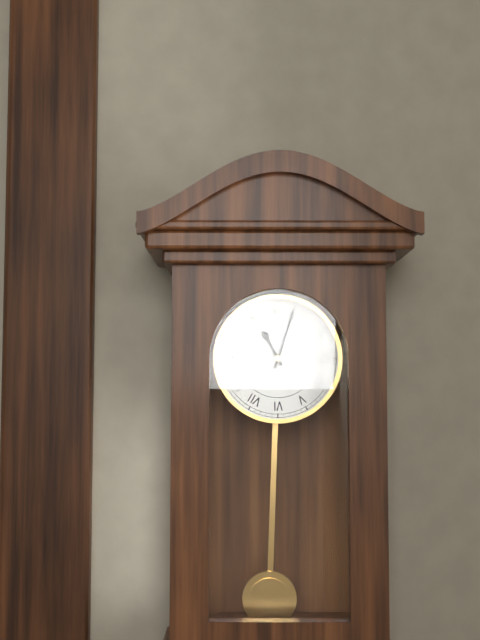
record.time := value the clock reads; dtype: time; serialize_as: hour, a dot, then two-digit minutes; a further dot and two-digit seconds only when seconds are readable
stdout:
11.03
